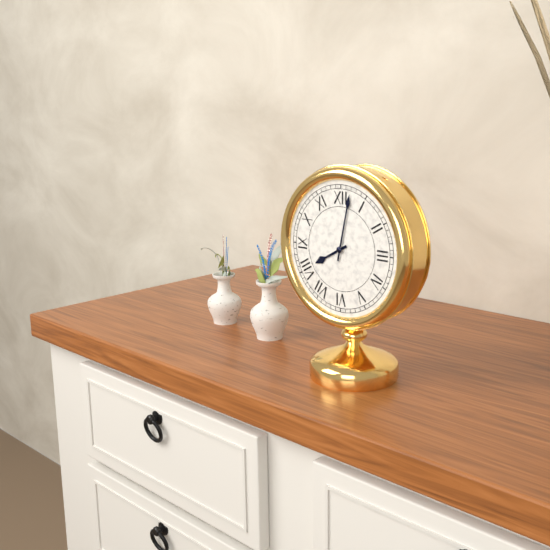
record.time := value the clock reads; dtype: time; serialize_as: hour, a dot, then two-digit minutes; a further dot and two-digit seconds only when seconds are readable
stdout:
8.02
